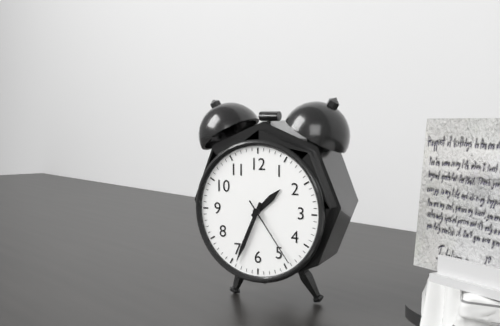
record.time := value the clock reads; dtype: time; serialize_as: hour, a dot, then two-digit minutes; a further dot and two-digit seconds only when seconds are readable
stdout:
1.34.24
